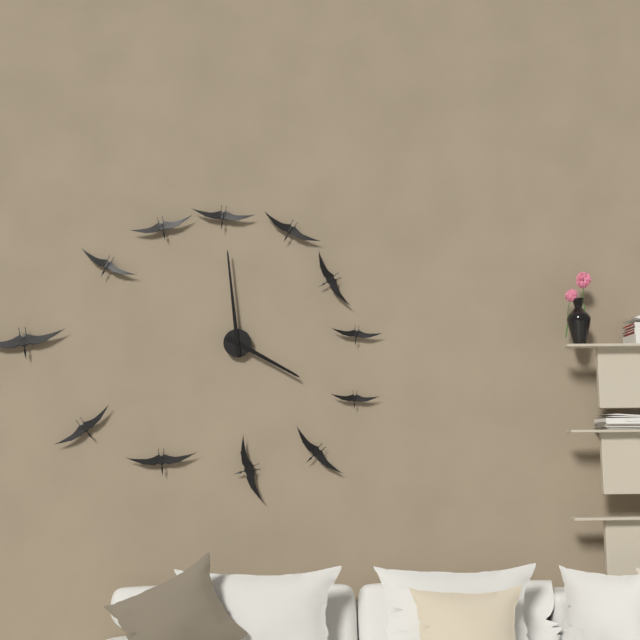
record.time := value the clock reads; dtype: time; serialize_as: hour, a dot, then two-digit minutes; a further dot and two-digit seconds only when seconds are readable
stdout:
3.59
